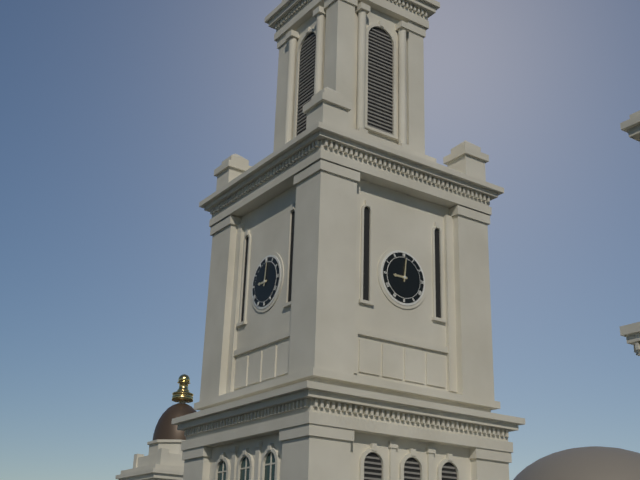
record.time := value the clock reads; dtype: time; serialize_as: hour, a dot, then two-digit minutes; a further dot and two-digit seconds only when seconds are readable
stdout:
9.01
